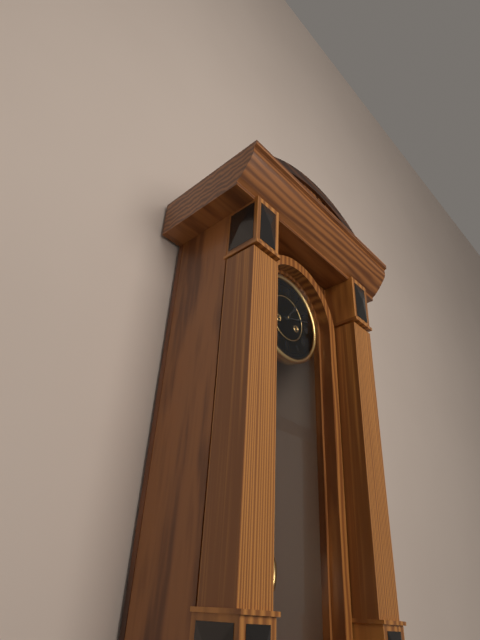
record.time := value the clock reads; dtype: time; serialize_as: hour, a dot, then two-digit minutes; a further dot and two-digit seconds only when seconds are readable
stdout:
1.12
